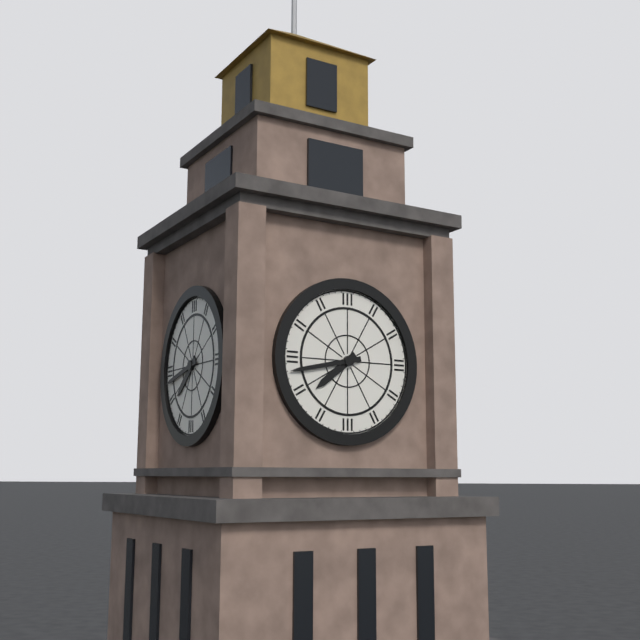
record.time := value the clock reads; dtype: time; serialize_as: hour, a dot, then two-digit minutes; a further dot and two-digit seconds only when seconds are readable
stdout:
7.43
